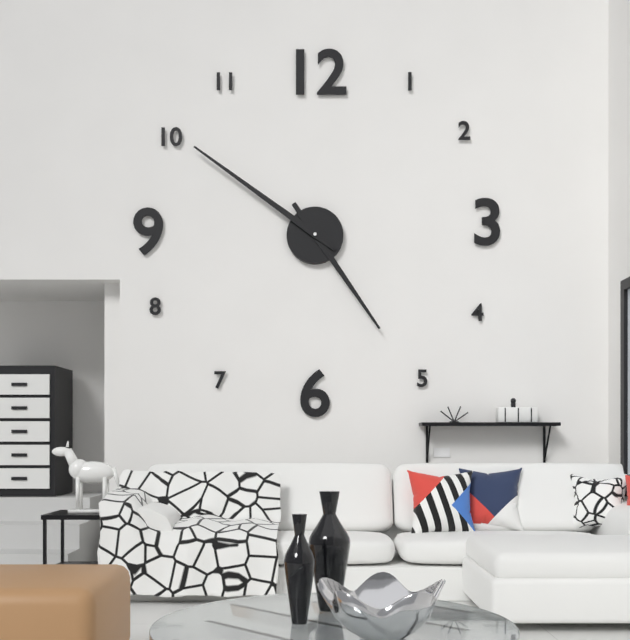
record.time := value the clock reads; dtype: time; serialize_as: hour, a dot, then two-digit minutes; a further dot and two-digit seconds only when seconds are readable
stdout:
4.51
